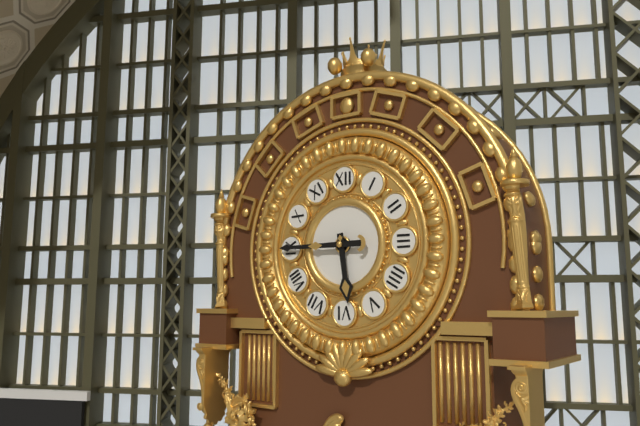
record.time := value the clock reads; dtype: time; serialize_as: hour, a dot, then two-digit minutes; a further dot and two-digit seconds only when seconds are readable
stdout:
5.45
